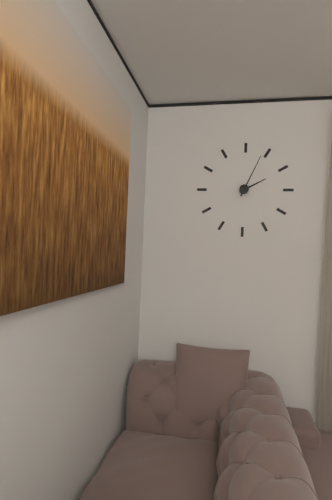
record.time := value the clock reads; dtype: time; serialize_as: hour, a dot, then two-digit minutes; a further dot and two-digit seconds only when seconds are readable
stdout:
2.04
